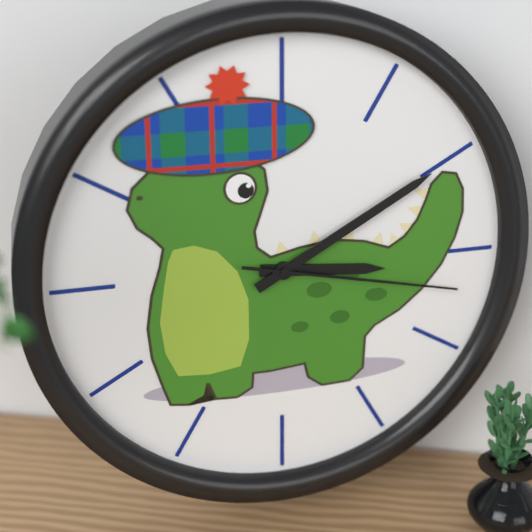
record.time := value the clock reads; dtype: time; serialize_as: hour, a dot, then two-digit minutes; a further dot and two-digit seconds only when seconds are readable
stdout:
3.10.17
